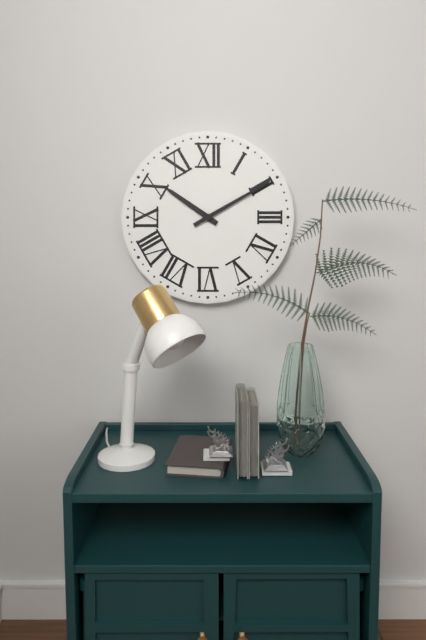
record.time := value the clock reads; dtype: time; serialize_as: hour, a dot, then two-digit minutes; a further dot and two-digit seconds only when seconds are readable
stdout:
10.10
